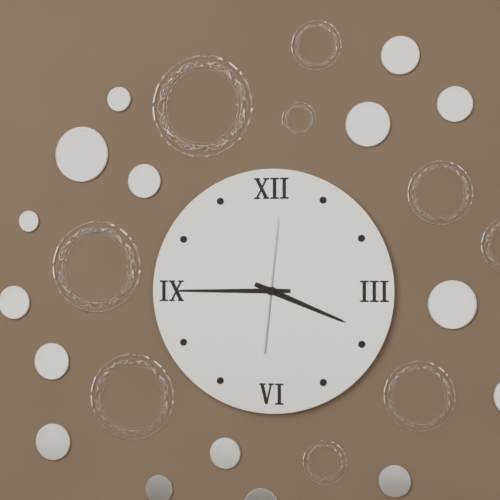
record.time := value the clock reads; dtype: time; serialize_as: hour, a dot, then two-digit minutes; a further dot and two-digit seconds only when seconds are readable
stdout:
3.45.01
